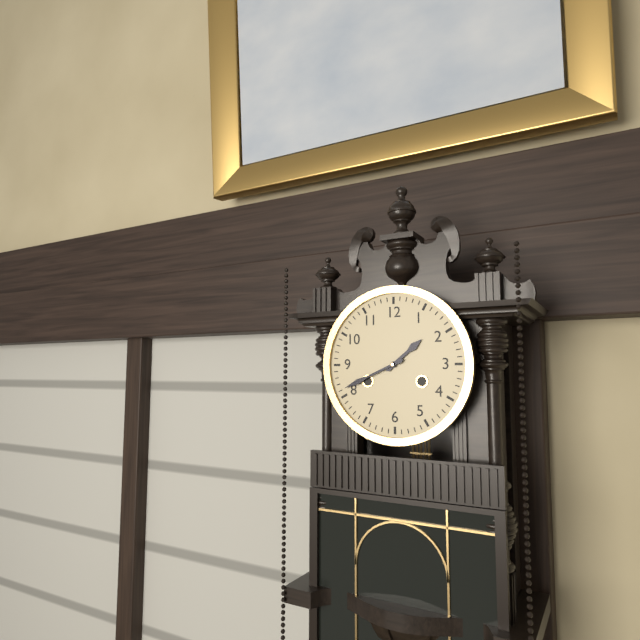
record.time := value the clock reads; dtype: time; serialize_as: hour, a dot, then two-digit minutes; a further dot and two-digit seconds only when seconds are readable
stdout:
1.41
